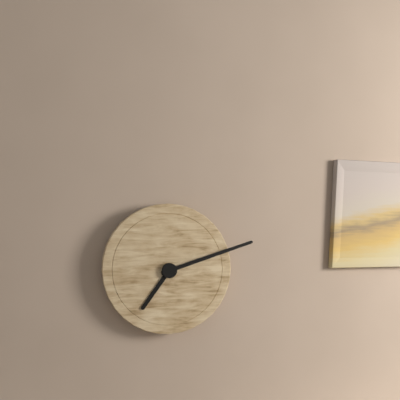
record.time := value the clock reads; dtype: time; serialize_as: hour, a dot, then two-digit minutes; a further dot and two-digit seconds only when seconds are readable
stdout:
7.12
